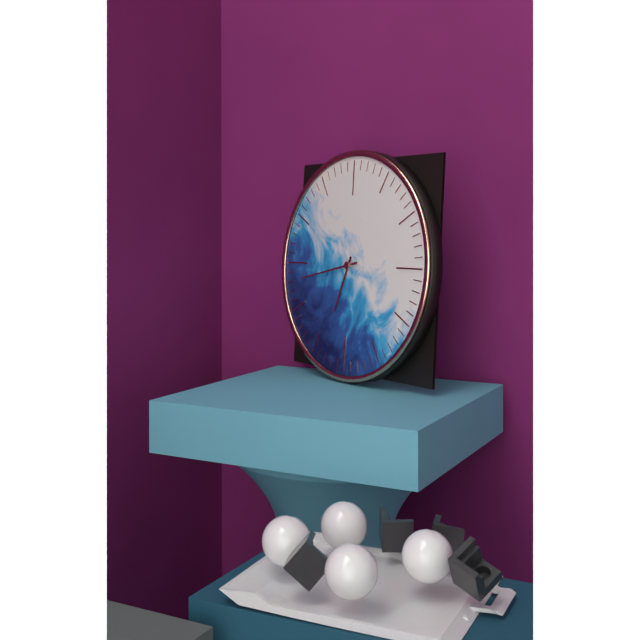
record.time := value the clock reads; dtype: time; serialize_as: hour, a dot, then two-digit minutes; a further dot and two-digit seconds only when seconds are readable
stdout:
6.43
